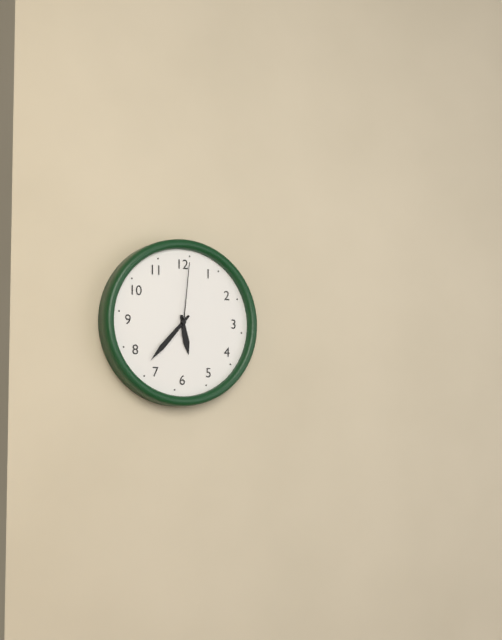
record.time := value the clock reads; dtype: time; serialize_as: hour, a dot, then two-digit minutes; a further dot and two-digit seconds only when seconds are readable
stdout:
5.37.01
